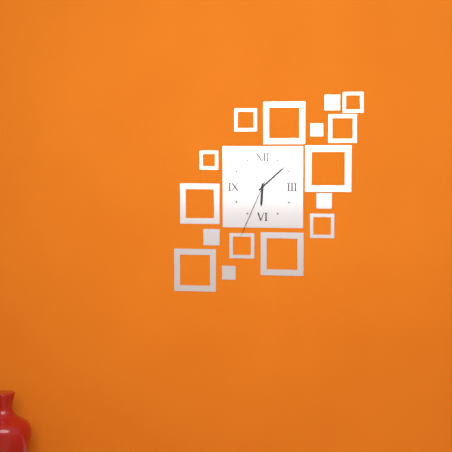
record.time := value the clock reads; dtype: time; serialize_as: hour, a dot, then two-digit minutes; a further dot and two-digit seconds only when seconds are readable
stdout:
6.08.34
